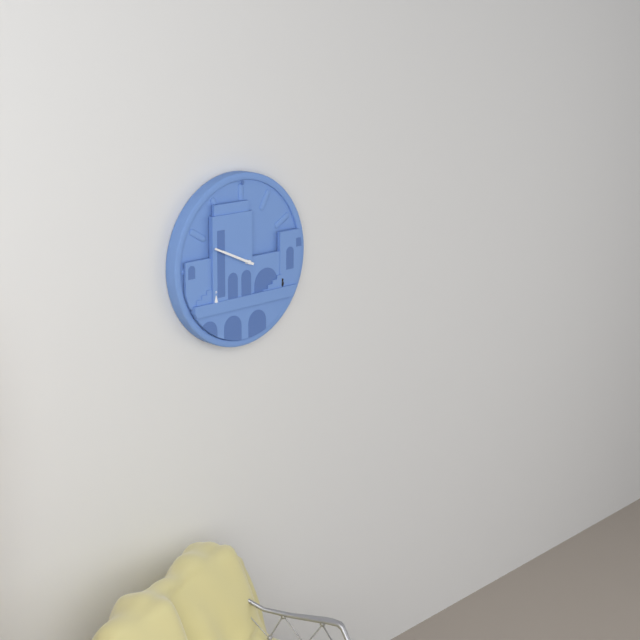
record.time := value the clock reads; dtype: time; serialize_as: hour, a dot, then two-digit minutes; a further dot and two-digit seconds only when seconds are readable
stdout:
9.49
